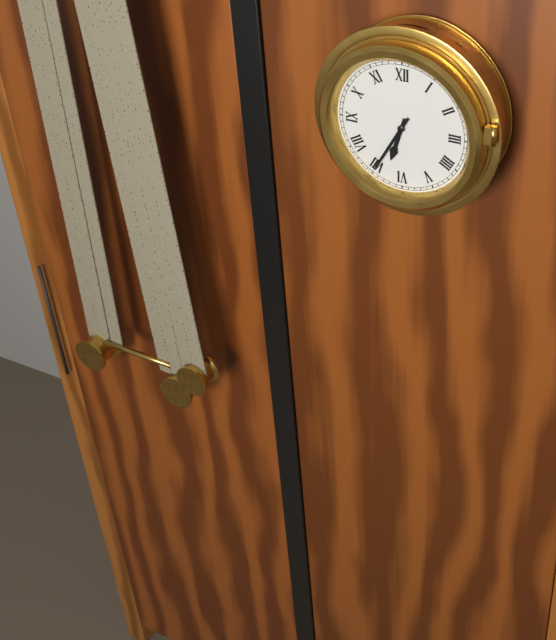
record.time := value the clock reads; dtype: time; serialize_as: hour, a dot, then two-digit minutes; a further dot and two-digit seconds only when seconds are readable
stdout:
6.35
